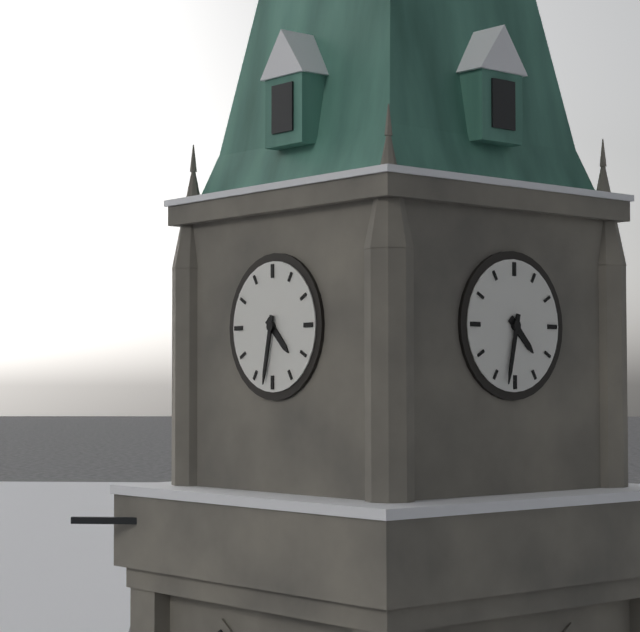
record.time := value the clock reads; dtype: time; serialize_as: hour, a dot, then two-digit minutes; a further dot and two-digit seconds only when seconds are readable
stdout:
4.32
